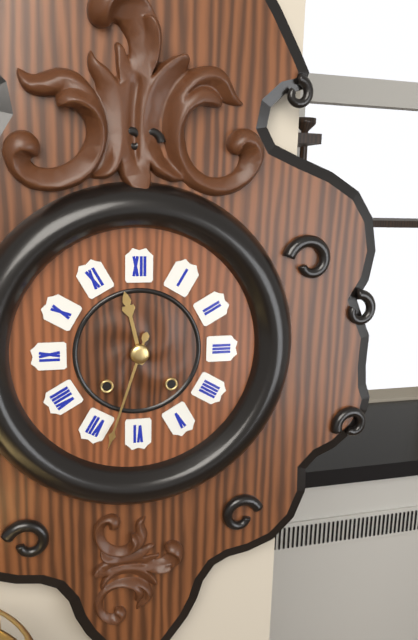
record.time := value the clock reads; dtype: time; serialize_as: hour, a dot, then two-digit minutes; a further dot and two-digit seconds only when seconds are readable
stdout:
11.33
